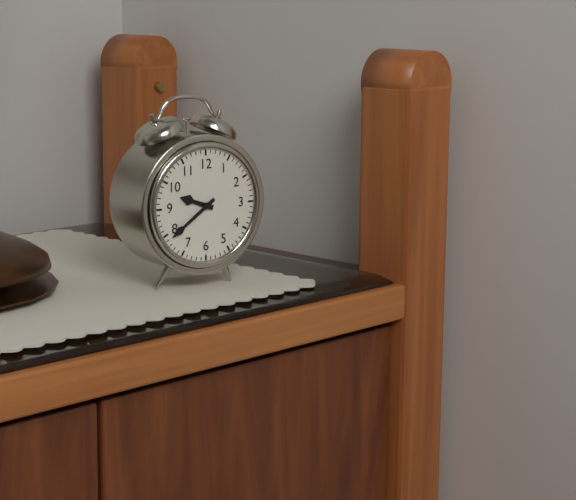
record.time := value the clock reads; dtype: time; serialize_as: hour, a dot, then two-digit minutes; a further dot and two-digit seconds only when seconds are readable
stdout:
9.39
